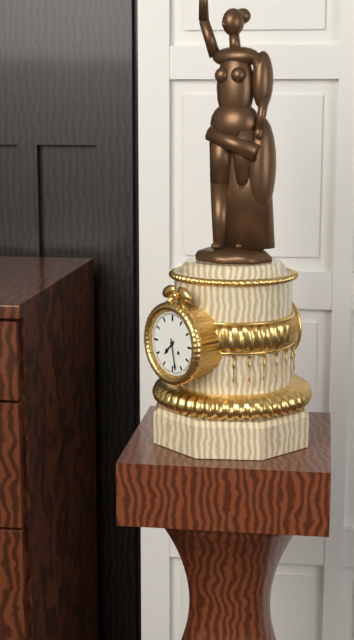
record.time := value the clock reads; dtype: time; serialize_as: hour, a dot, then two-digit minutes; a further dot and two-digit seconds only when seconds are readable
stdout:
7.28
